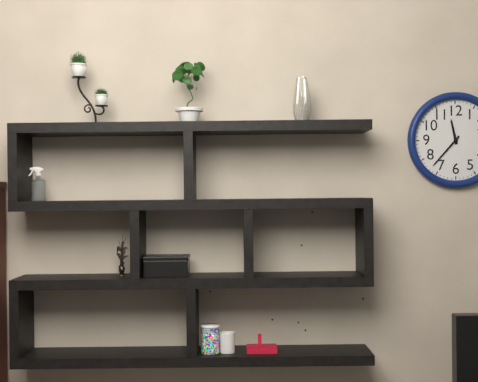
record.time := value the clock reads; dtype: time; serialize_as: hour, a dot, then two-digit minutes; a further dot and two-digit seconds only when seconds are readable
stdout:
11.37
